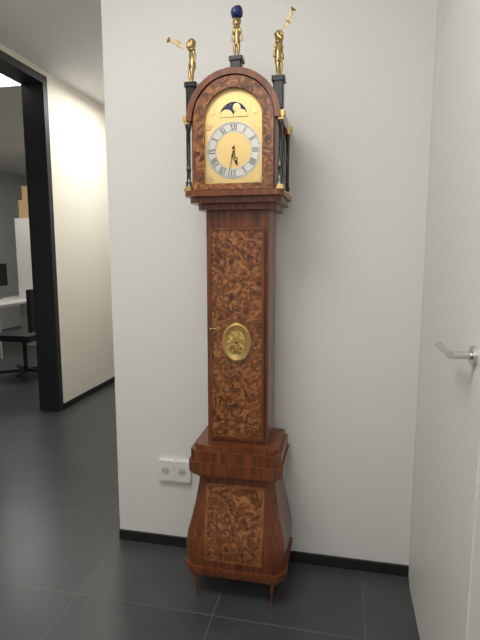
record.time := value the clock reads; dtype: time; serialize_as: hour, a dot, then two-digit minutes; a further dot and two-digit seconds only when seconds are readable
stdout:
5.32
